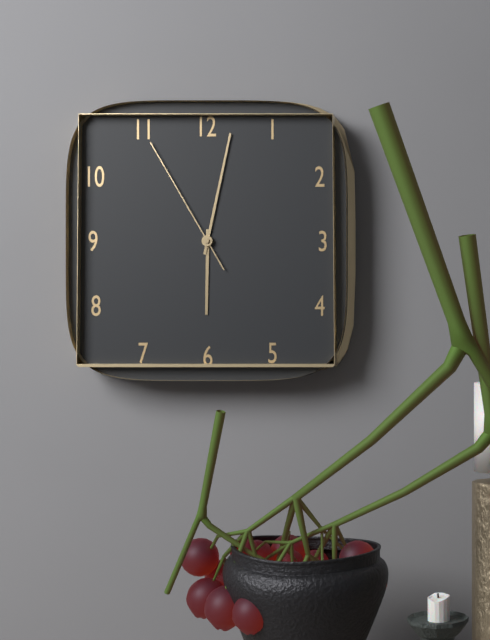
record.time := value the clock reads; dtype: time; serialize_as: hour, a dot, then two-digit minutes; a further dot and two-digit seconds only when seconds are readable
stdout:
6.02.55
